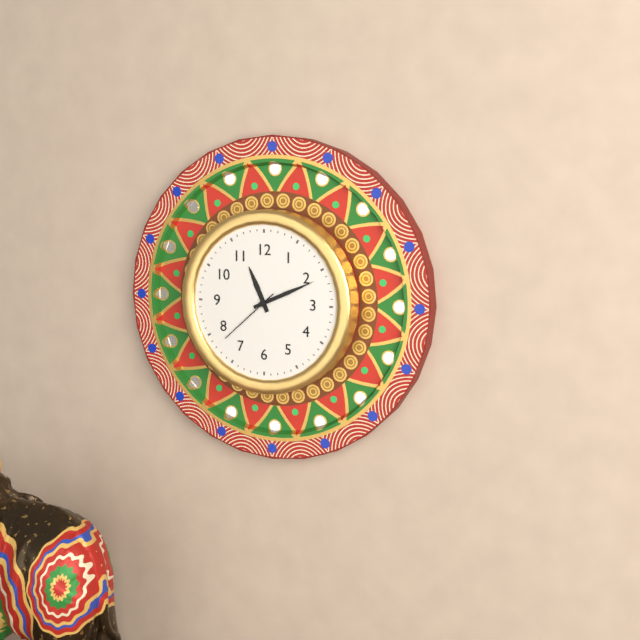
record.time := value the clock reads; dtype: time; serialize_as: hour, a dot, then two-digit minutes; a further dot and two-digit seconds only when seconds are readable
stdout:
11.11.38
